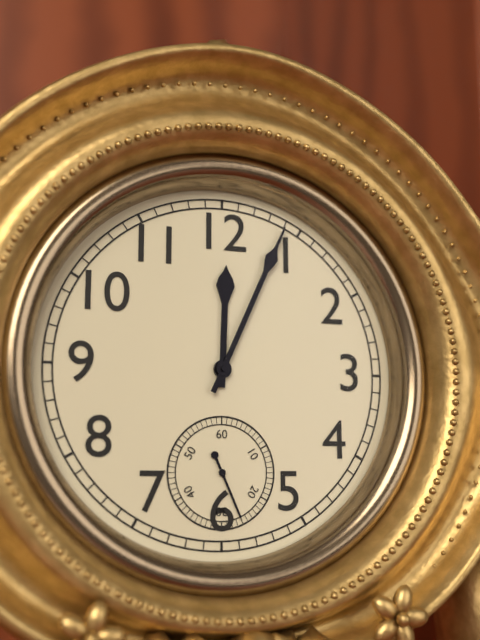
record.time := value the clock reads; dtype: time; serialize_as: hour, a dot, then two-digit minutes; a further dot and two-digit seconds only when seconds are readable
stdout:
12.04.26
